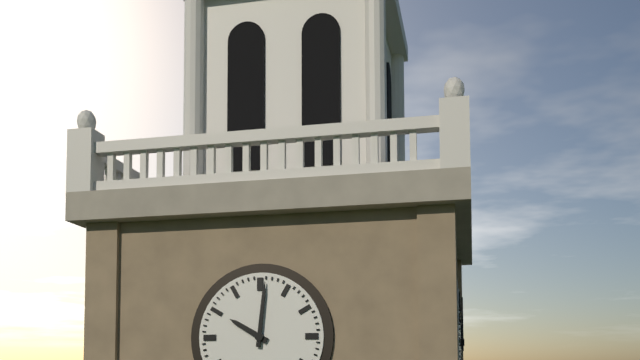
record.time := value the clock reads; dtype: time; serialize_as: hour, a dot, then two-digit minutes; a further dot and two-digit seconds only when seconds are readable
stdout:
10.01
